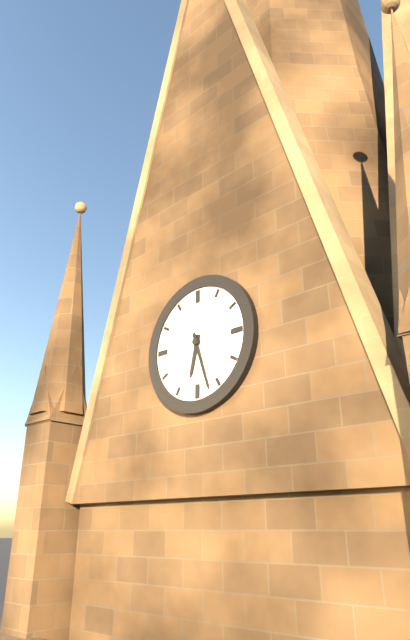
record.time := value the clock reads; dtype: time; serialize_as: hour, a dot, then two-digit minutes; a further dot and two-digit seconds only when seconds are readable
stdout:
6.27
